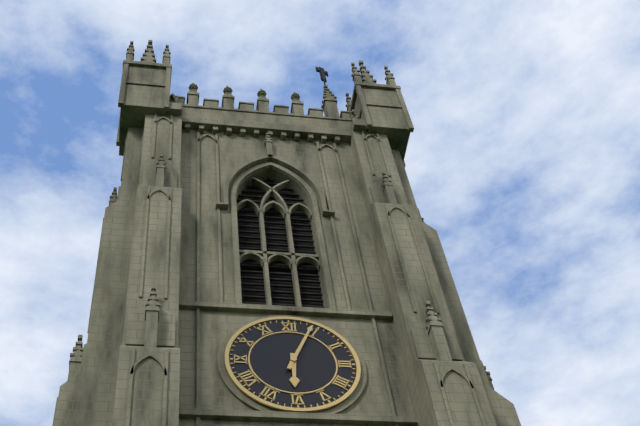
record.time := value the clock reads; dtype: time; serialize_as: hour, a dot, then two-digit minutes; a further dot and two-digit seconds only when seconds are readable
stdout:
6.04
